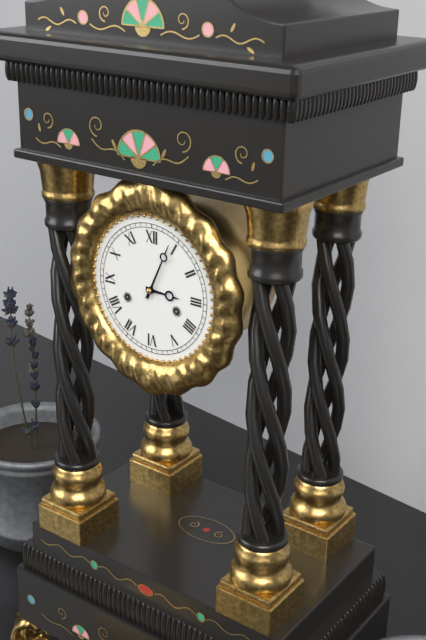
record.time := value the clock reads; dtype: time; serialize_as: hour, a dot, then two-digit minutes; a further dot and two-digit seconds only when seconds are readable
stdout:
3.04
